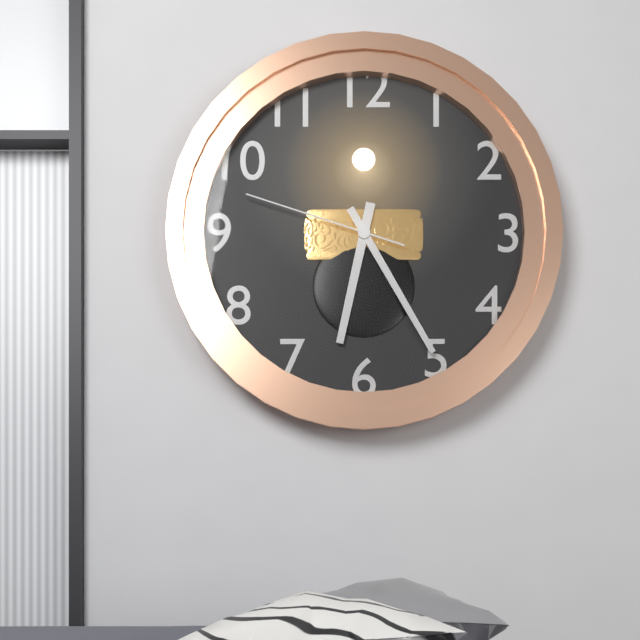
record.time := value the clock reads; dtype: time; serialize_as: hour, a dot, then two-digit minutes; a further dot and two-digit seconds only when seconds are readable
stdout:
6.25.48
